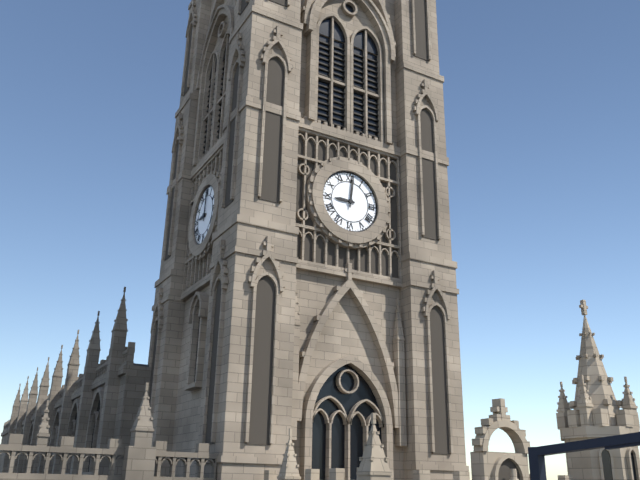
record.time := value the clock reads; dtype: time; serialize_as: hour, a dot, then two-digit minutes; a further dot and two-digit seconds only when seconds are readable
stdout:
9.01
